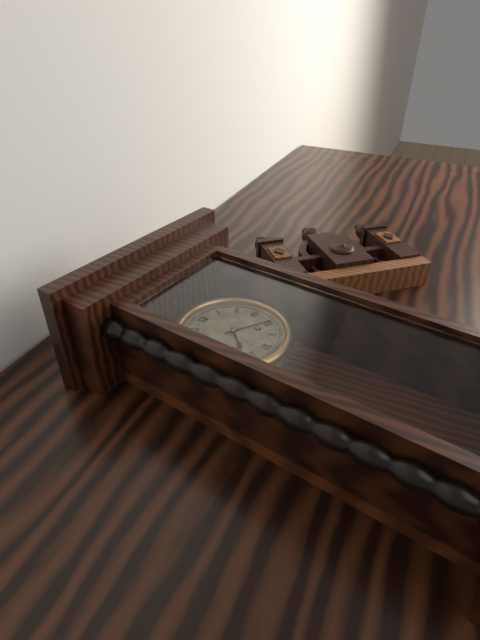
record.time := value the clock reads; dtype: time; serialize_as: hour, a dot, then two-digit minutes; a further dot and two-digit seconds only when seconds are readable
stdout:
7.20
